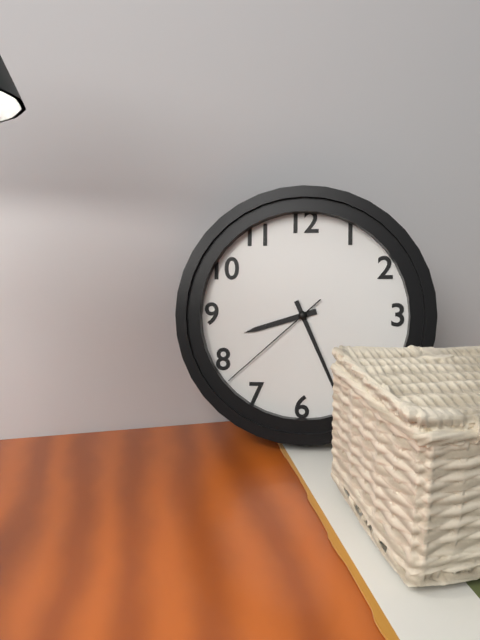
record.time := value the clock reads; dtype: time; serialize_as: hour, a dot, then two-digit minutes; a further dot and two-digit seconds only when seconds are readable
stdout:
8.26.38
